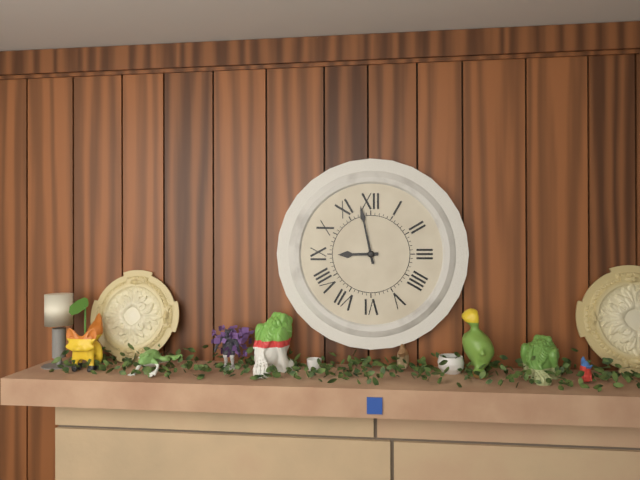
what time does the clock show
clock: 8:58
